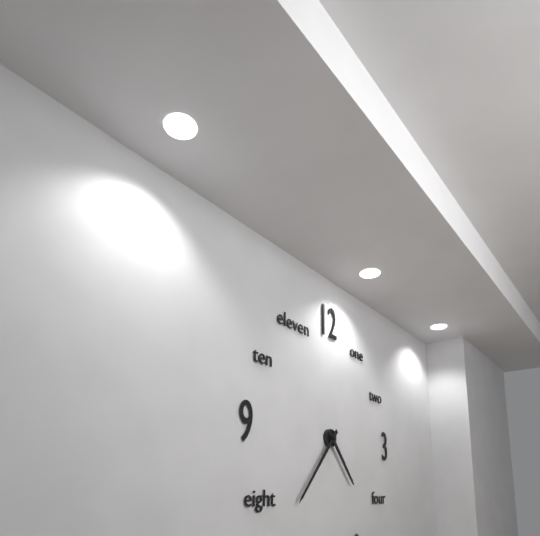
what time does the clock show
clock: 4:37
